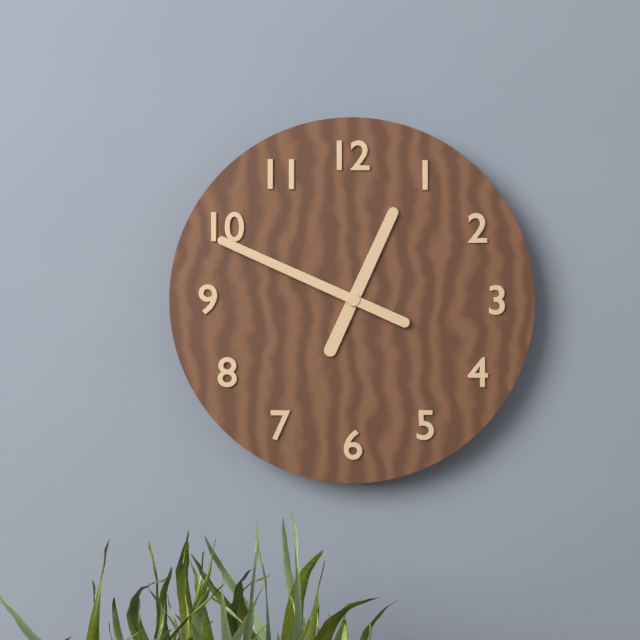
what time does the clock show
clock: 12:49
